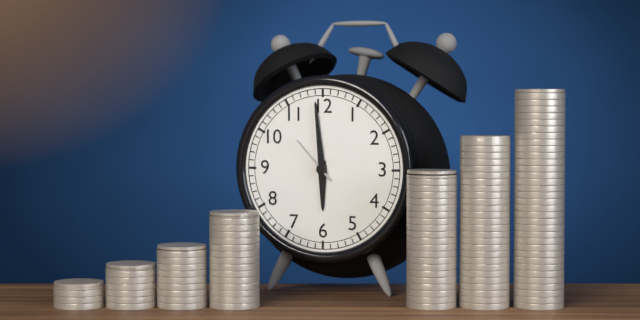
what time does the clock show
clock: 5:59
